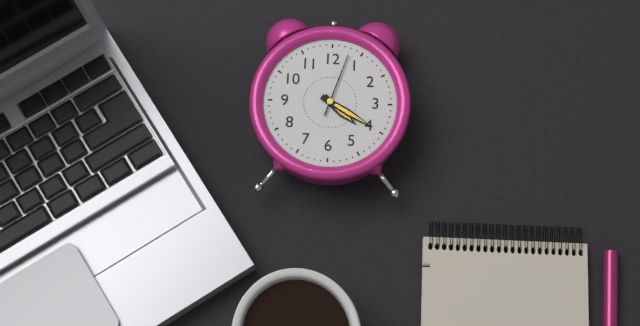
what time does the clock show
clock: 4:20:03
